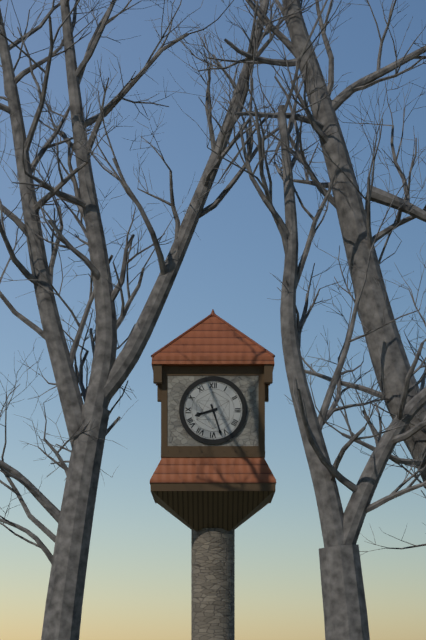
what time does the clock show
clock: 8:27
